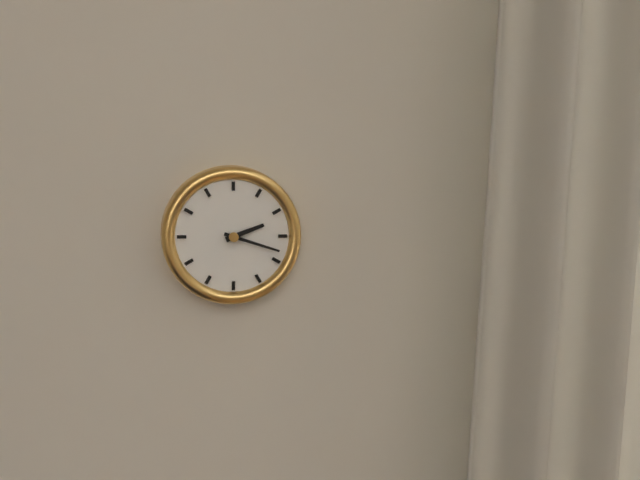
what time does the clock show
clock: 2:18
